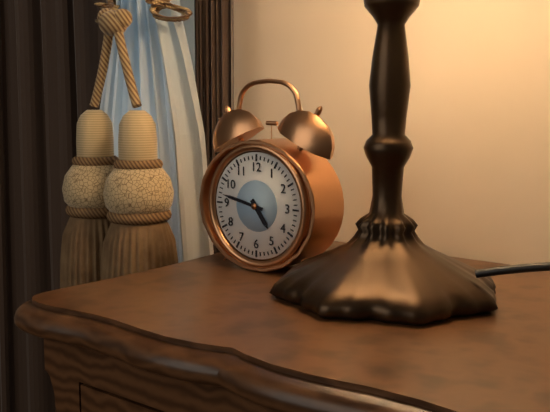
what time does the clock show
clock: 4:47
